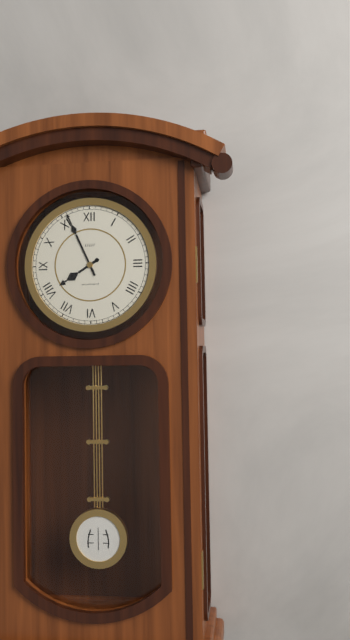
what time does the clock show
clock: 7:56
